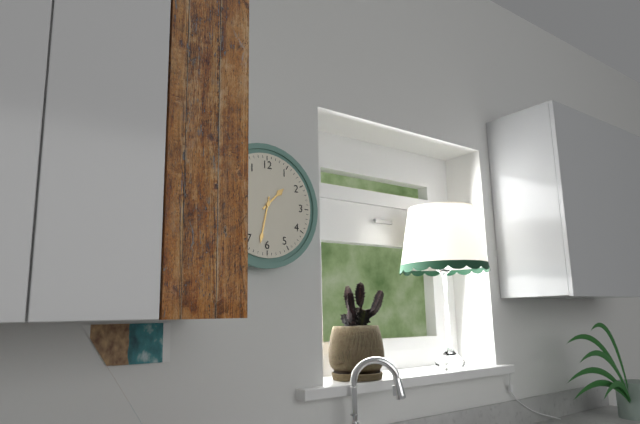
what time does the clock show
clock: 1:32
